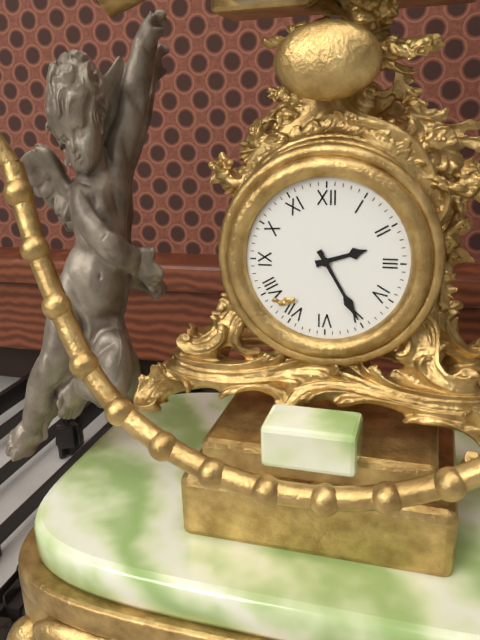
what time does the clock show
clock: 2:25
